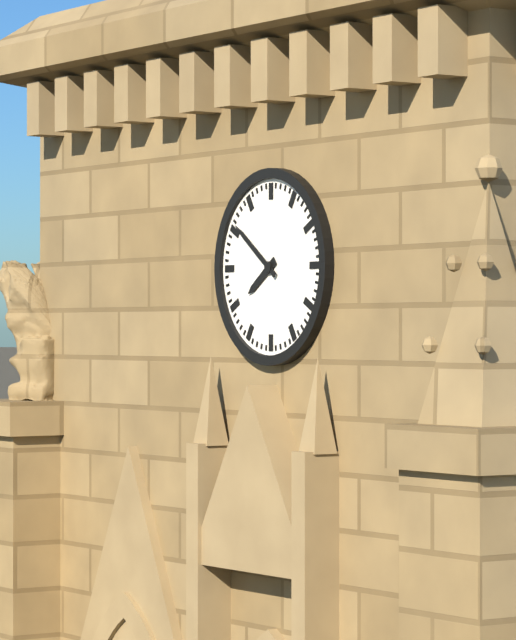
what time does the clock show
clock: 7:51
